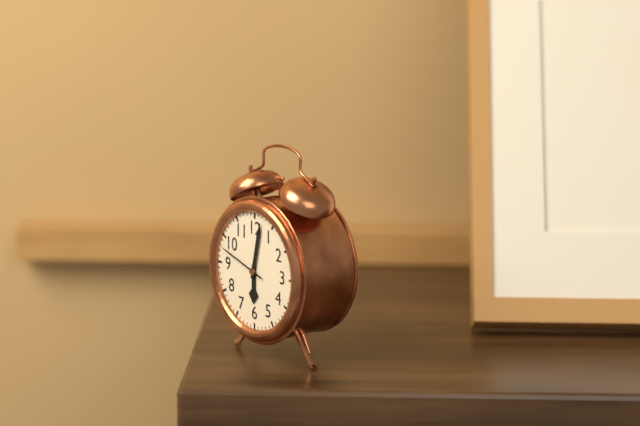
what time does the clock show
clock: 6:02:48
